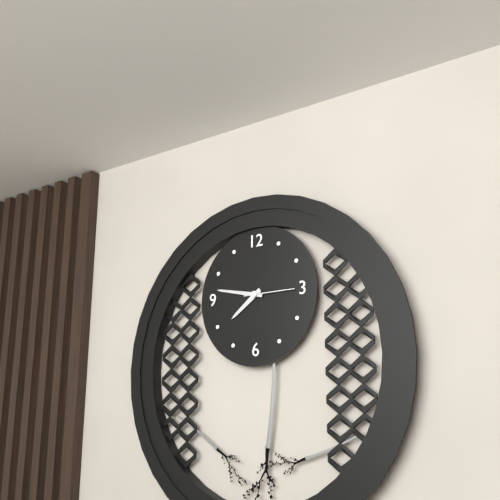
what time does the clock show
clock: 7:47
